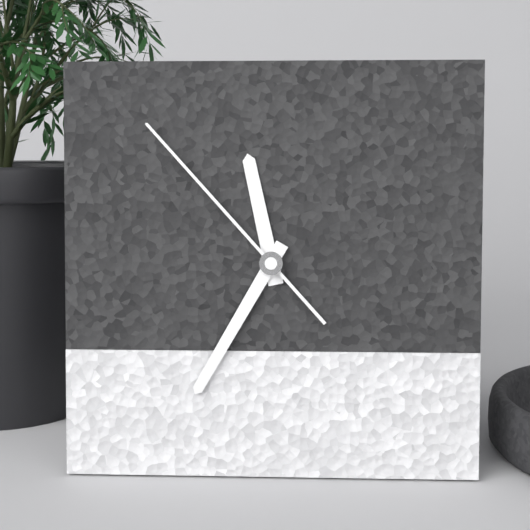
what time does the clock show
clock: 11:35:53
